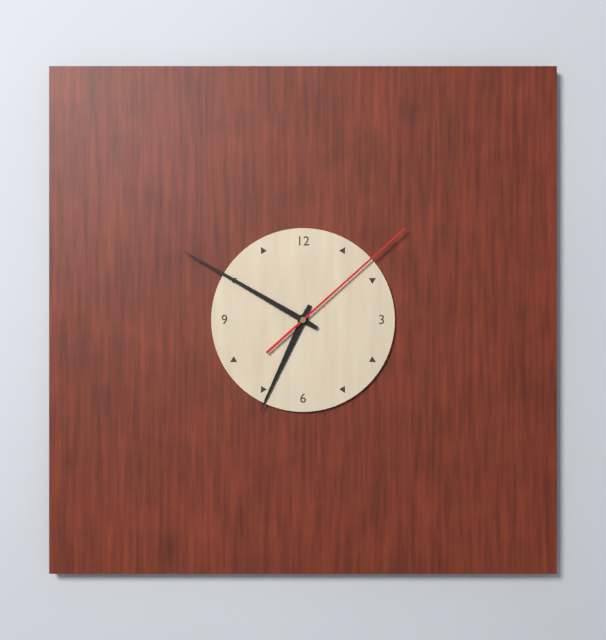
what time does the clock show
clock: 6:50:08
